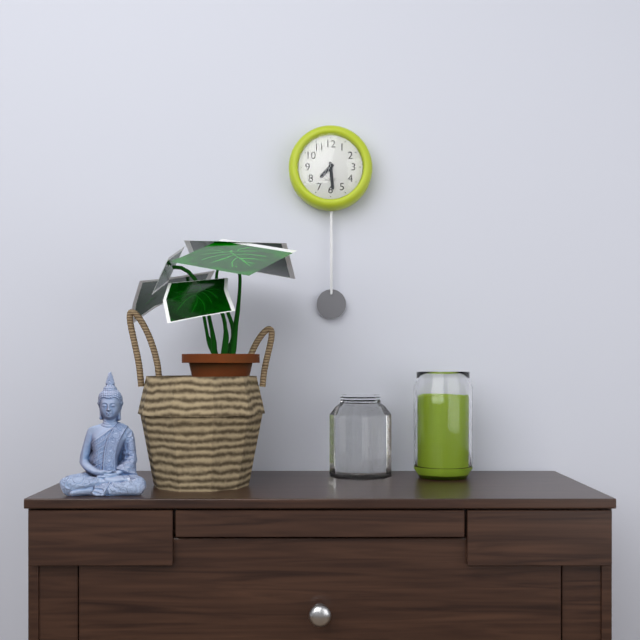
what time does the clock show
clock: 7:29
